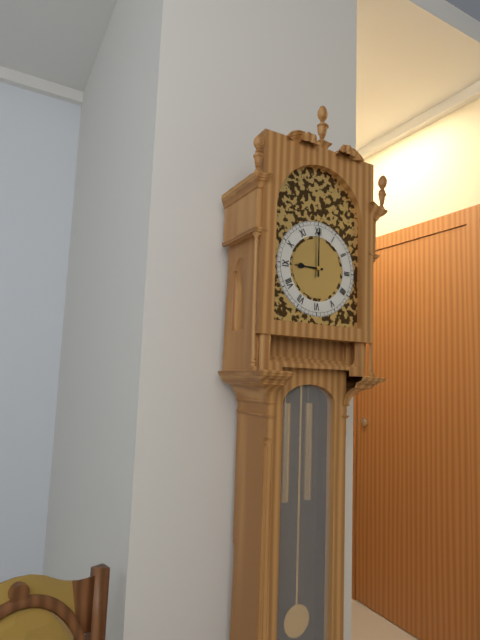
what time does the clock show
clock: 9:00
